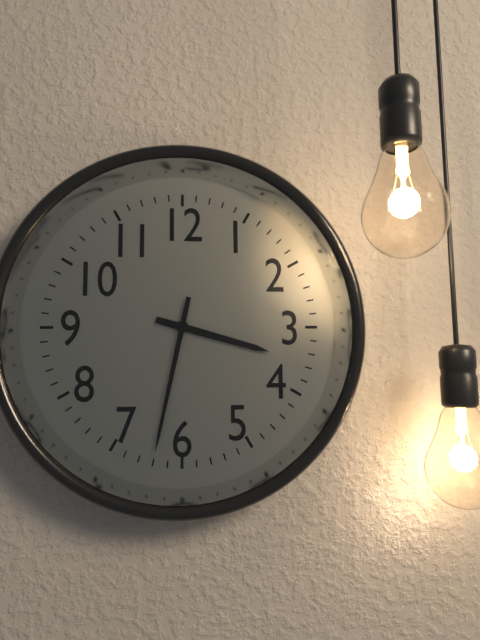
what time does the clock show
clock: 3:32
